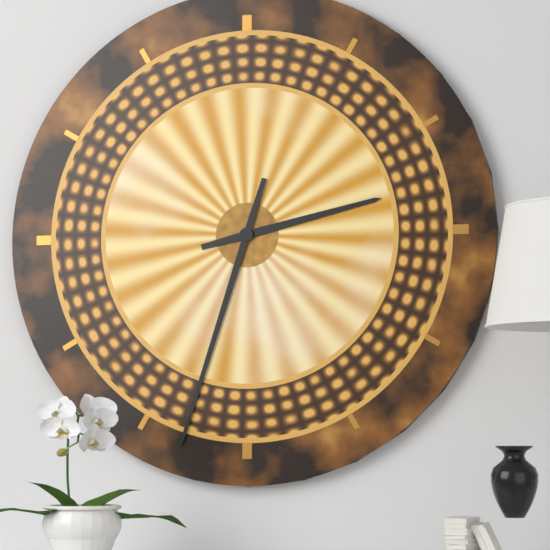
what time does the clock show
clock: 2:33
